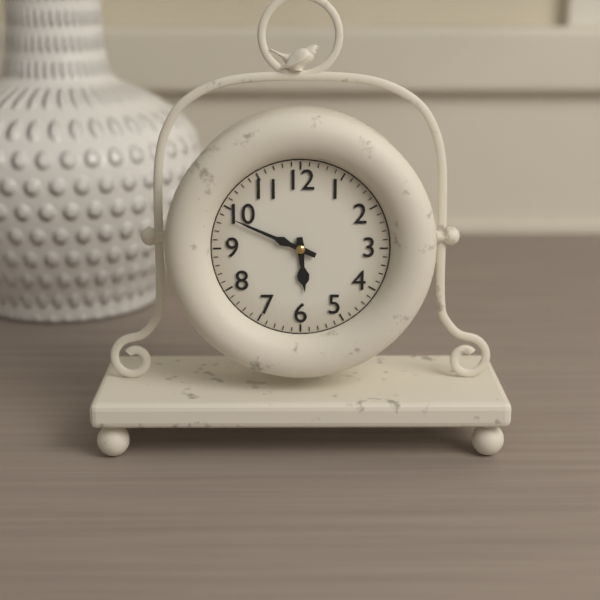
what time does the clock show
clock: 5:49
